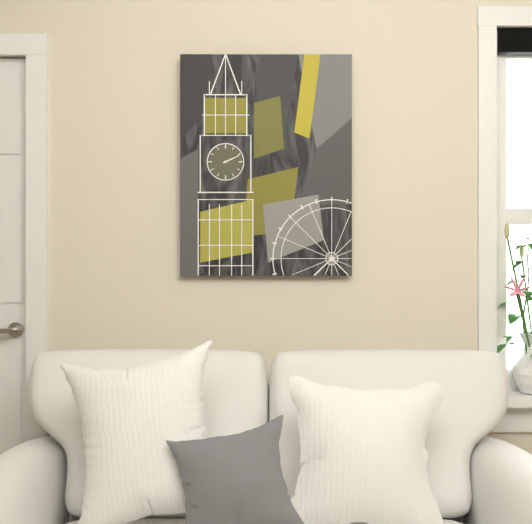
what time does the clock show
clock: 2:11
